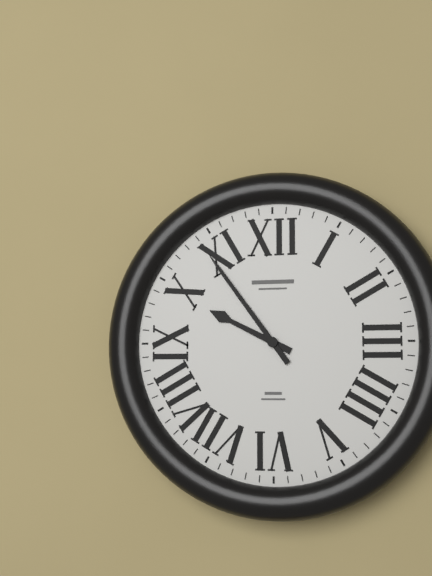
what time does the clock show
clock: 9:54
